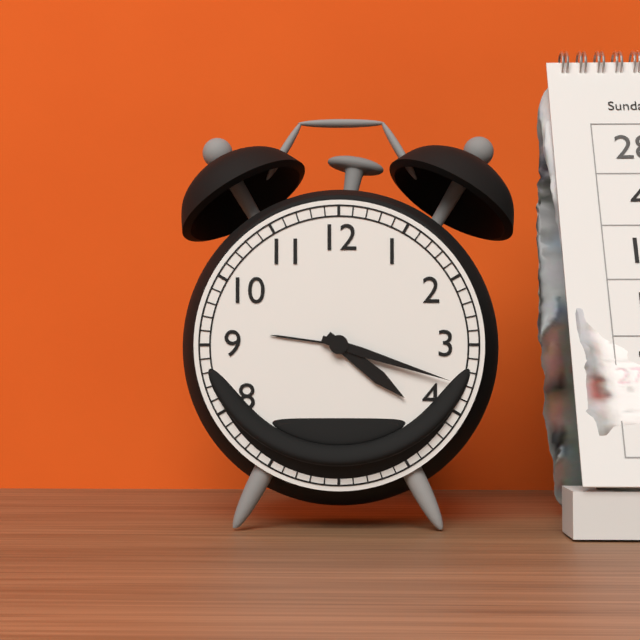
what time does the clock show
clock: 4:18
